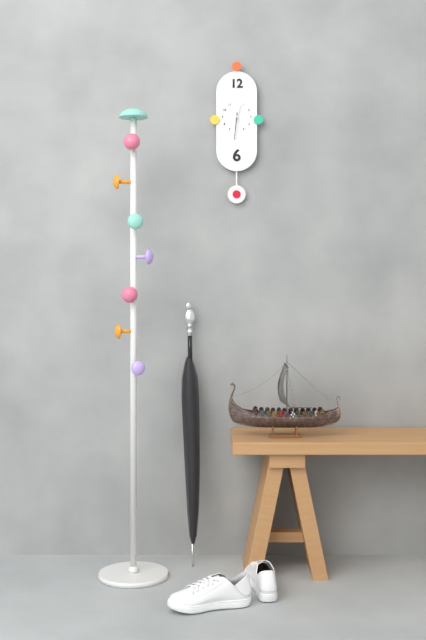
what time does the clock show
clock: 12:31
